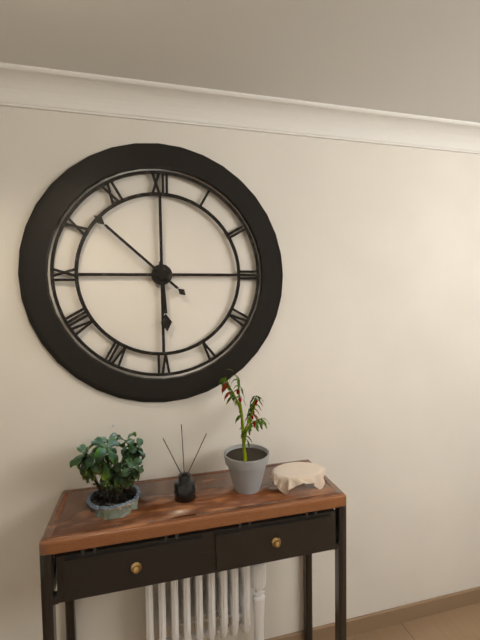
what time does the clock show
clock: 5:52
